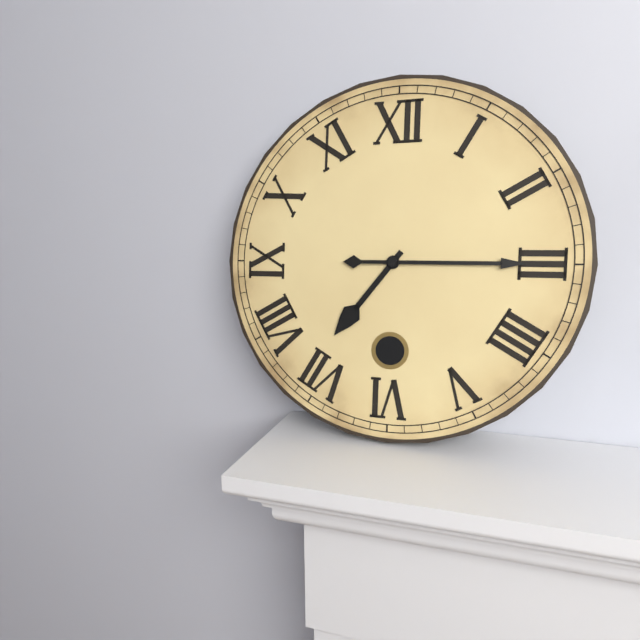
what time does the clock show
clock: 7:15
